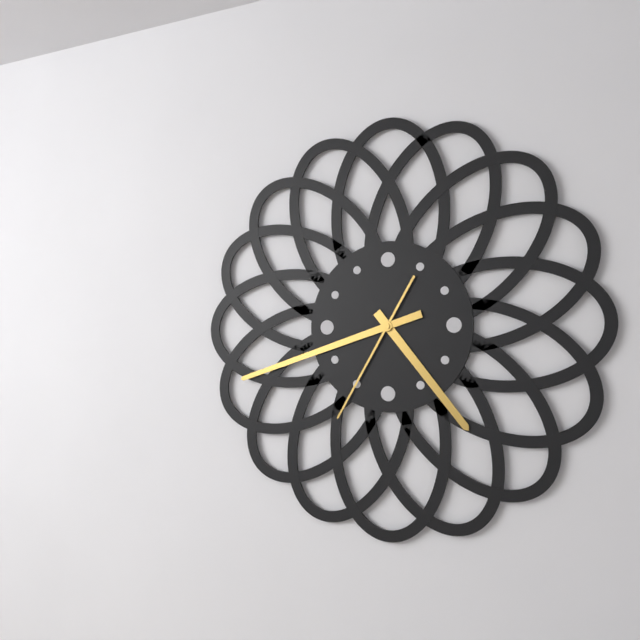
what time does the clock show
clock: 4:42:35
